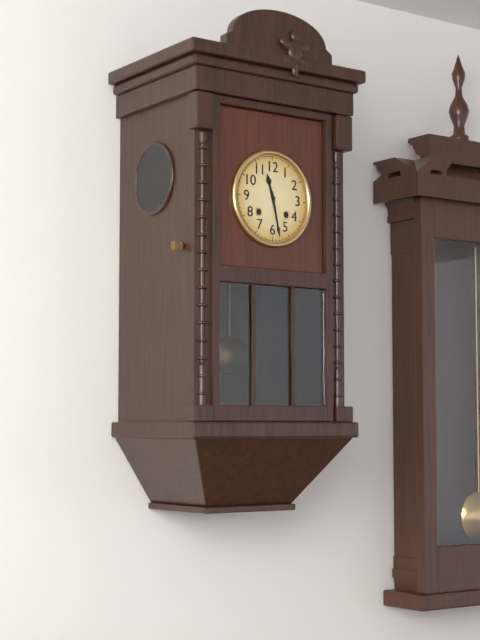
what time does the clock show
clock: 11:28
